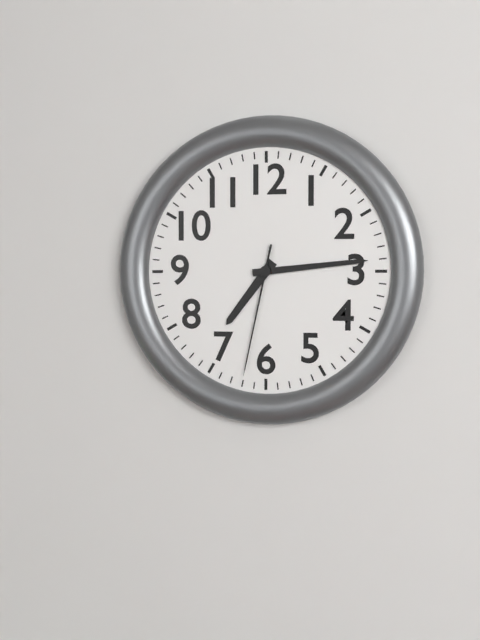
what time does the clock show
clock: 7:14:32
